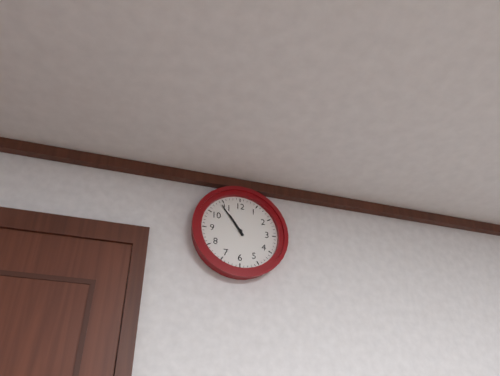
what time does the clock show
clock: 10:54
